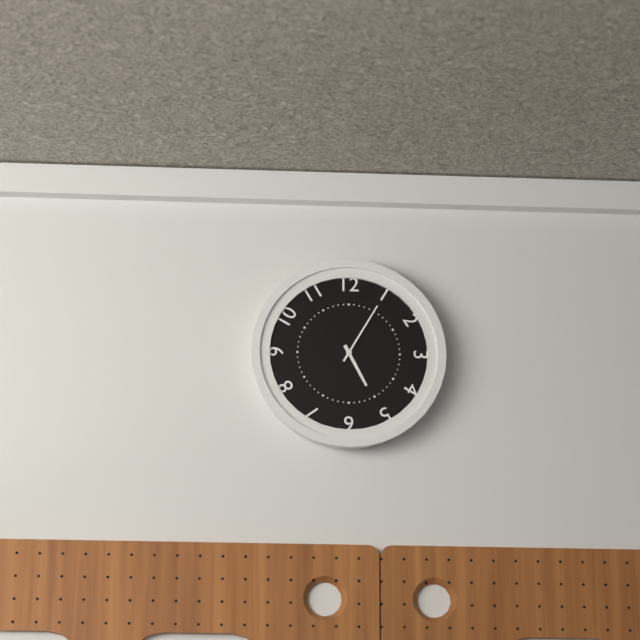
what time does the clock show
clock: 5:05
